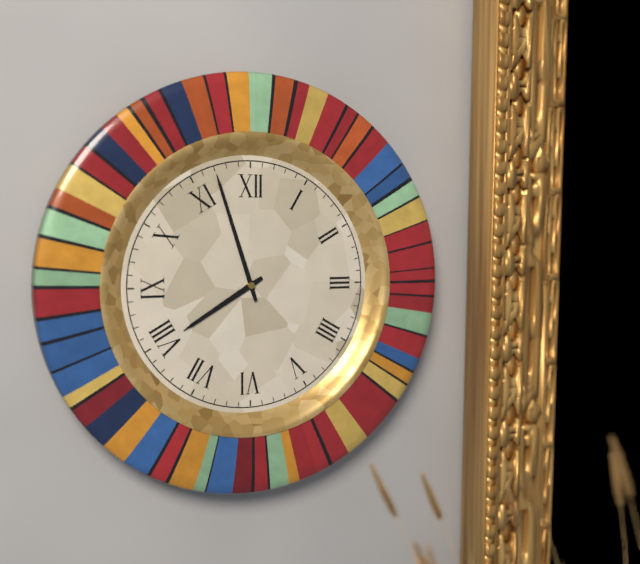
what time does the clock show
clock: 7:57
